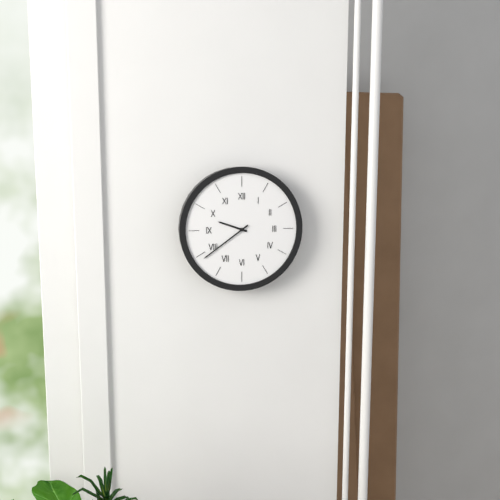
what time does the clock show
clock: 9:39
